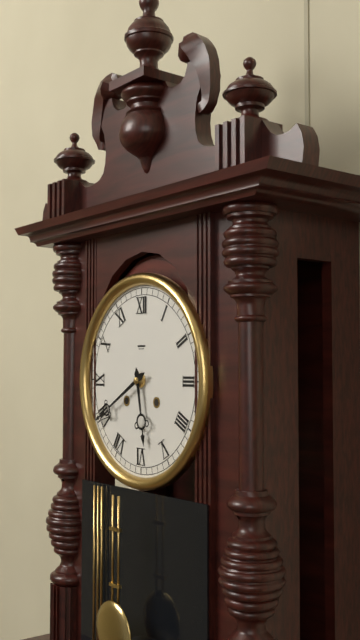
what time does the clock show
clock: 5:40
